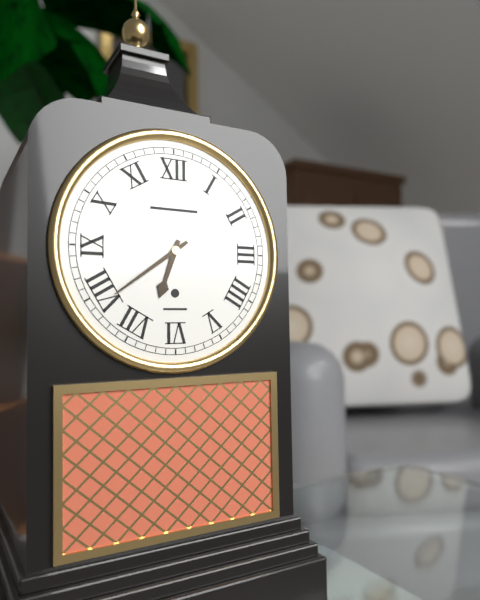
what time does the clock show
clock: 6:39
